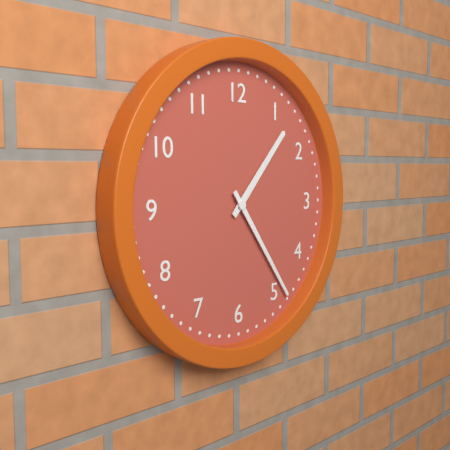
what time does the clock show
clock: 1:24
